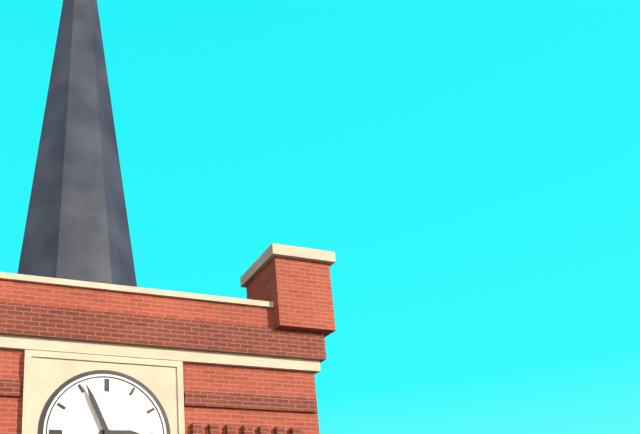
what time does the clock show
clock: 2:56
